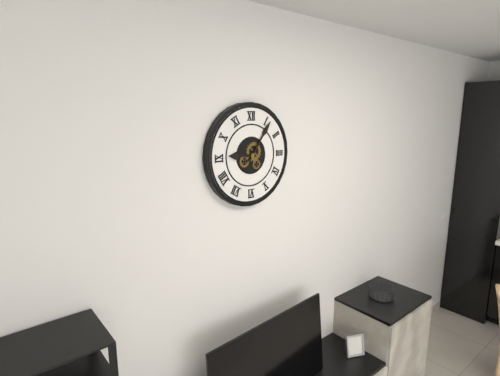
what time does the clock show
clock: 9:06
